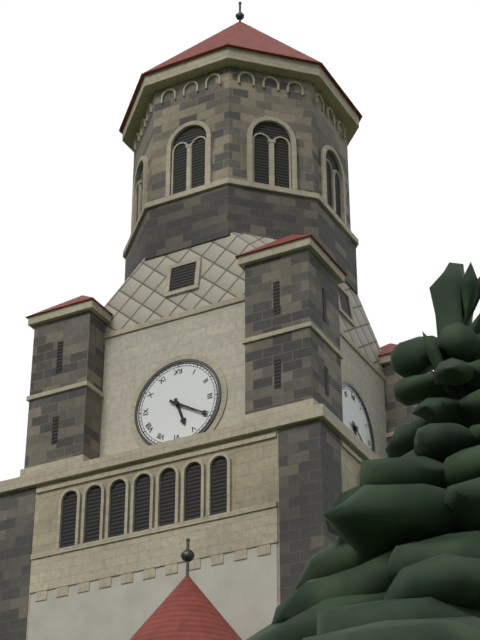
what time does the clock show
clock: 5:20
